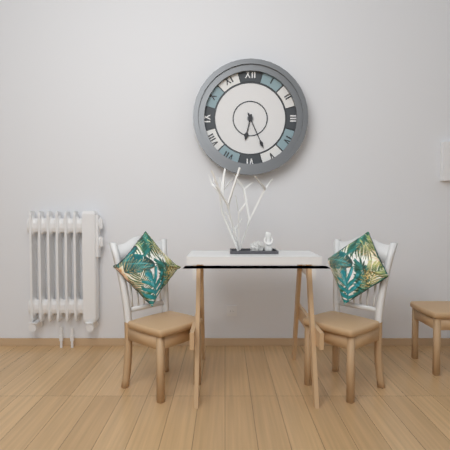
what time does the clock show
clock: 6:26
